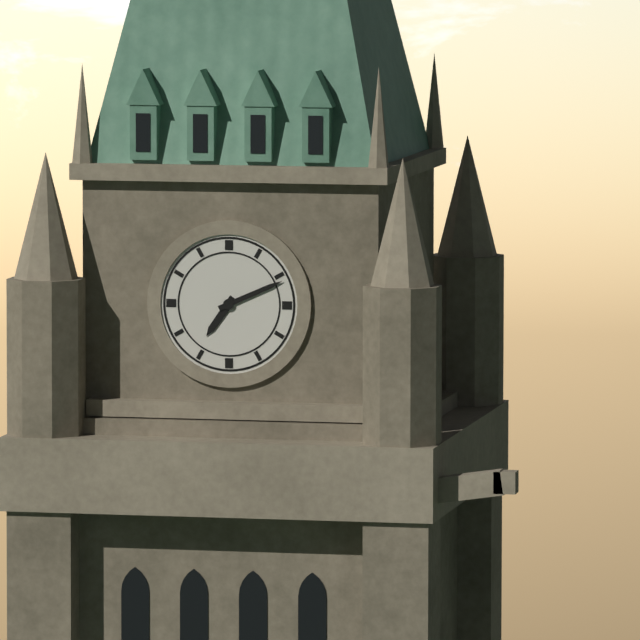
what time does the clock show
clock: 7:11
